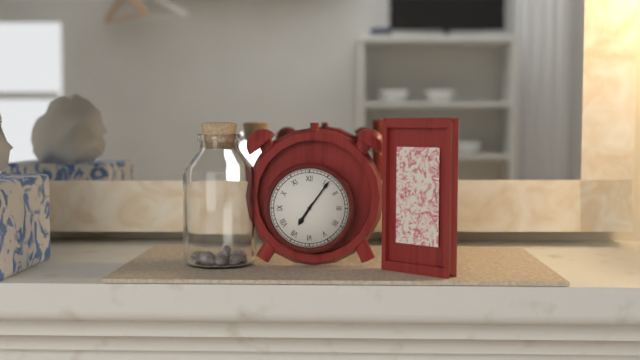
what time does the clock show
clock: 7:06
